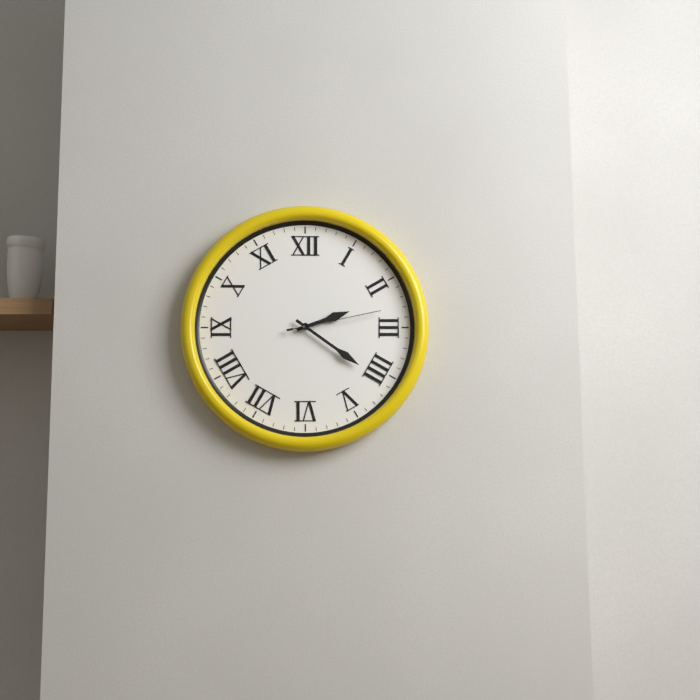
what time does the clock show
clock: 2:21:13
